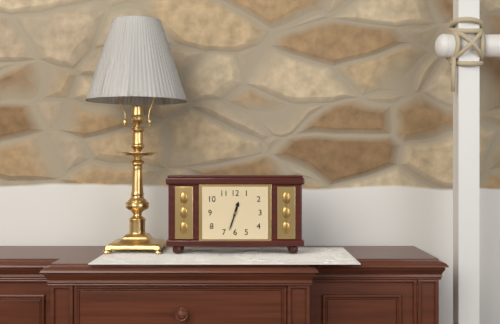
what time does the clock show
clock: 12:33
